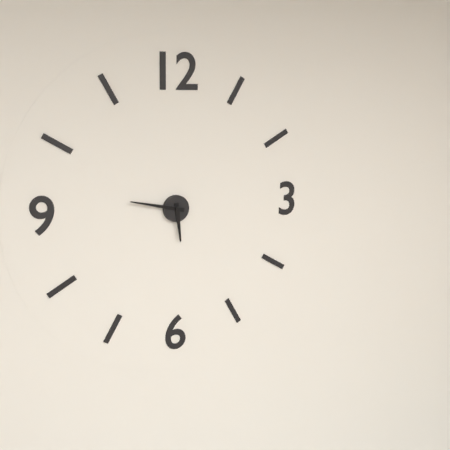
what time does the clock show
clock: 5:47
